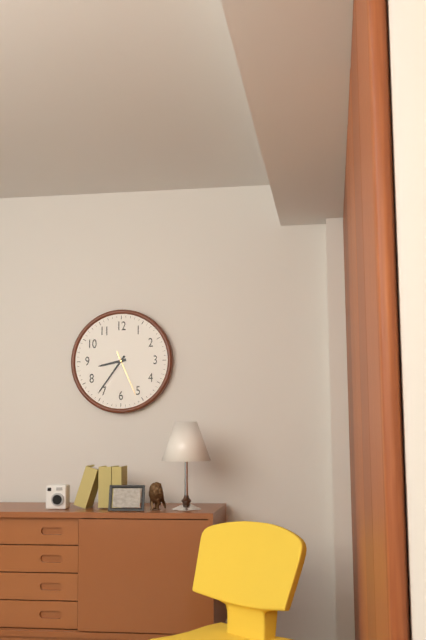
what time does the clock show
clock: 8:36
